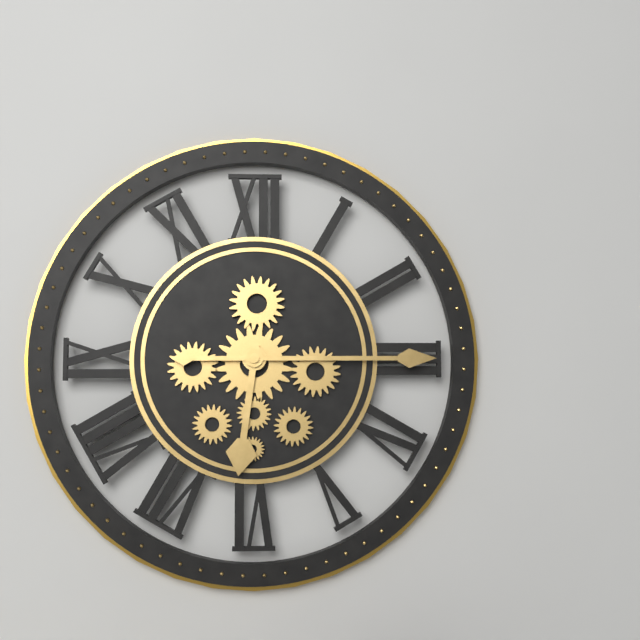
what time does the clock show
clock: 6:15
